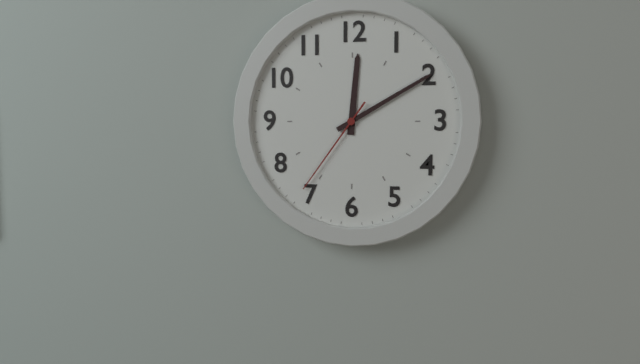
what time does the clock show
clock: 12:10:36
